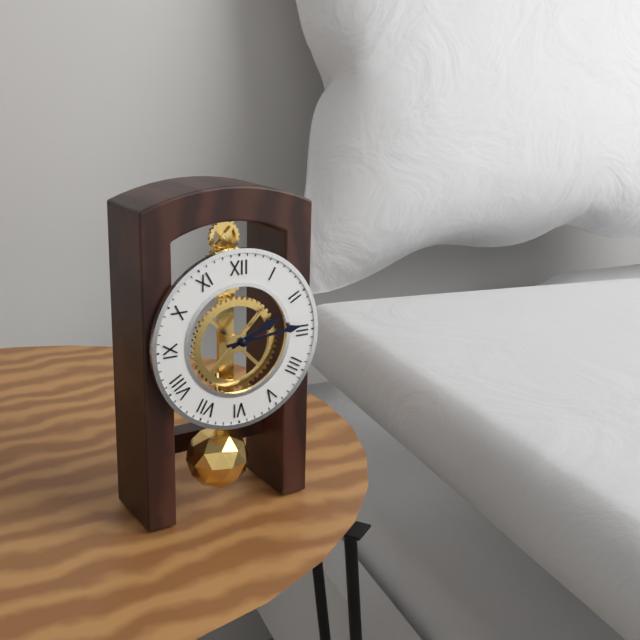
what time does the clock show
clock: 2:14
